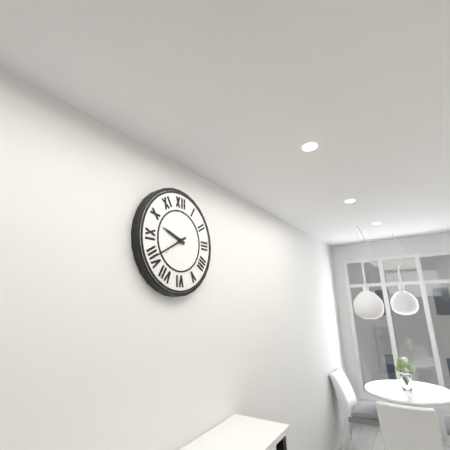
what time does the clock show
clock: 9:40
